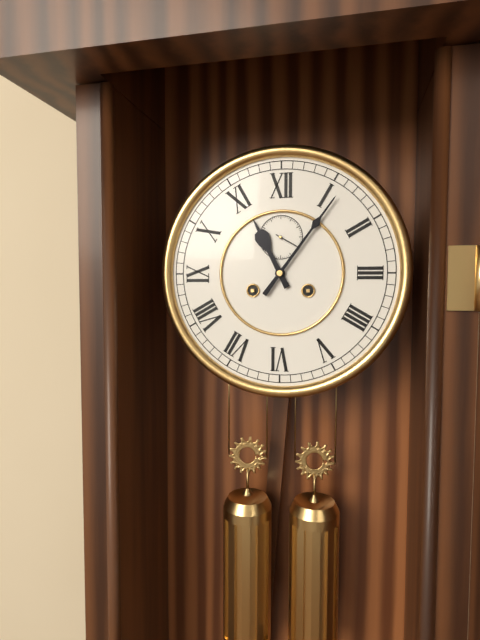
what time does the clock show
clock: 11:06
